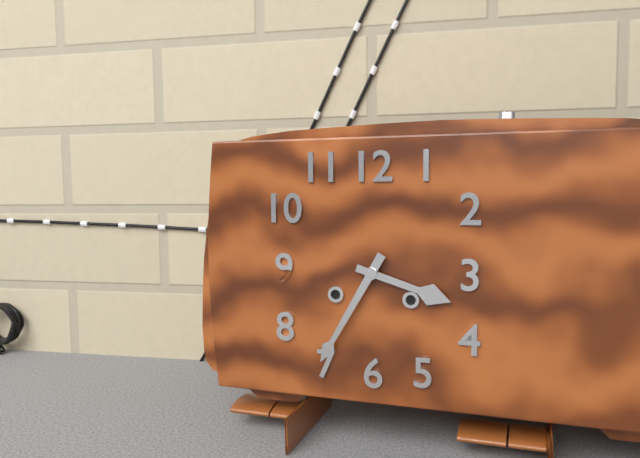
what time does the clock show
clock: 3:35
